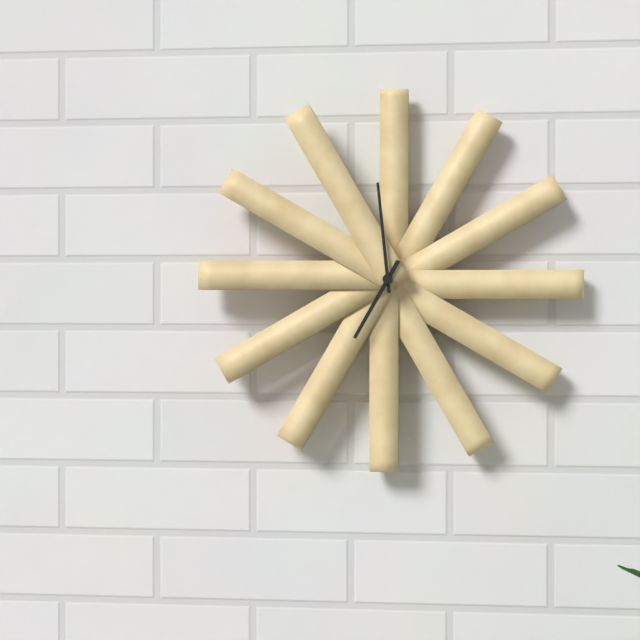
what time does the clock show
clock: 6:59
